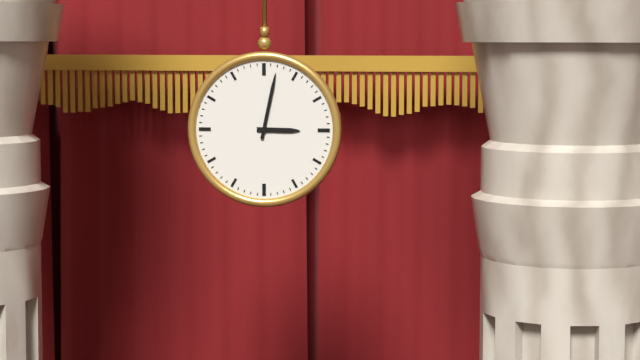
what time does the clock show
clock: 3:02
